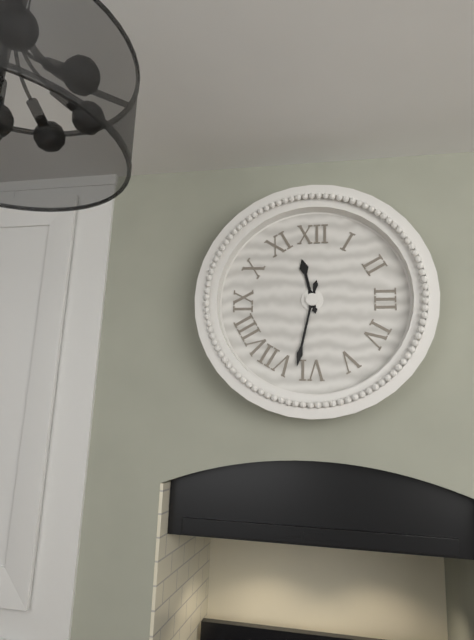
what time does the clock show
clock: 11:32
